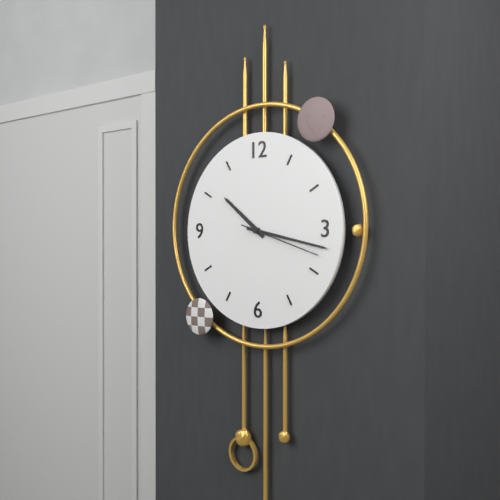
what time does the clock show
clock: 10:17:18
